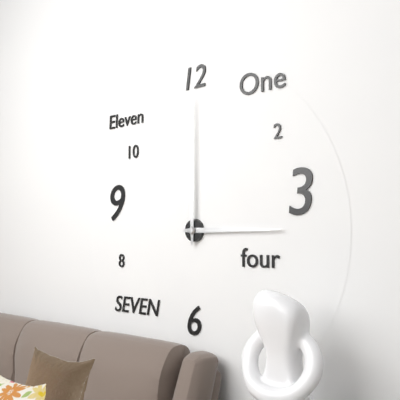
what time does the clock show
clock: 3:00
